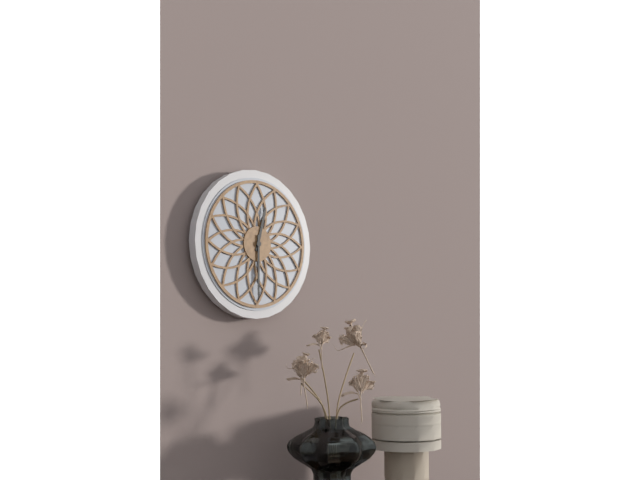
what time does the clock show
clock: 12:30
